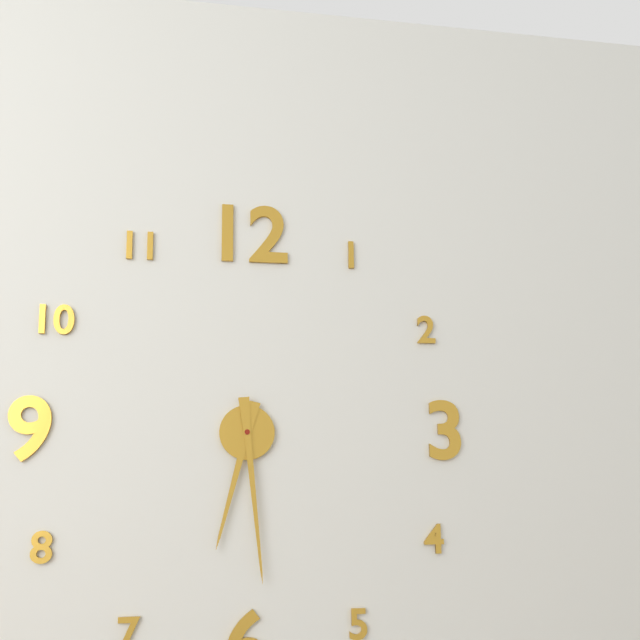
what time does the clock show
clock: 6:29
